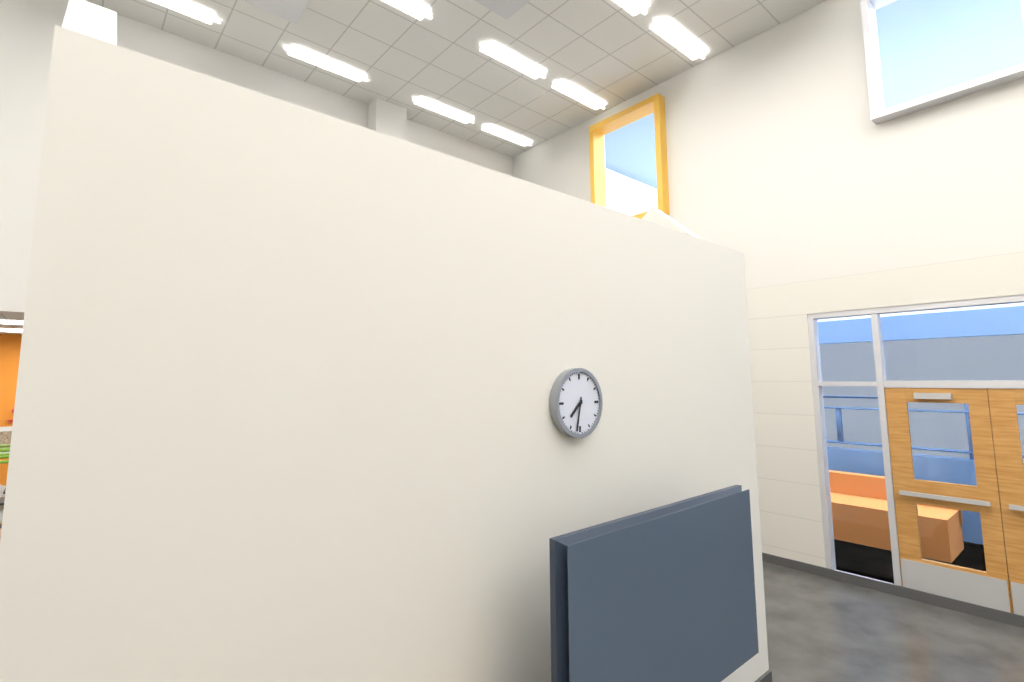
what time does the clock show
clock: 7:32
